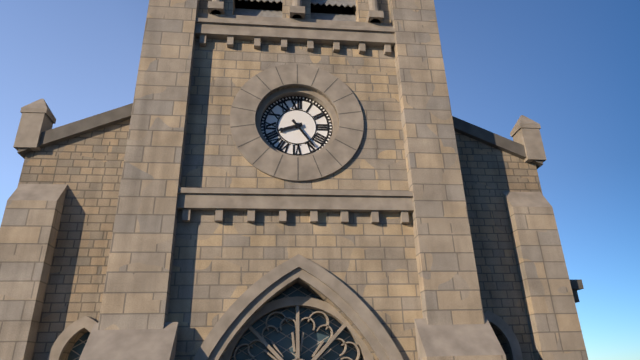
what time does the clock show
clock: 8:24
